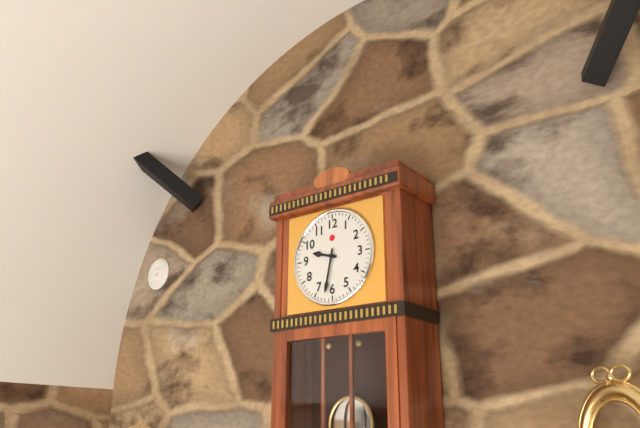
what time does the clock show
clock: 9:32
